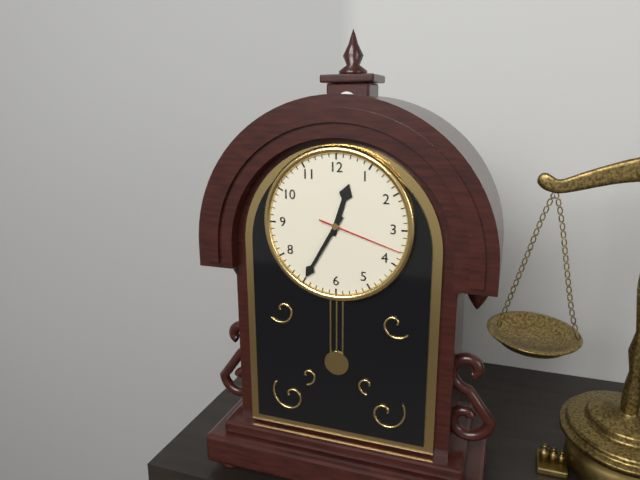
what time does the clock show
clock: 12:35:18
